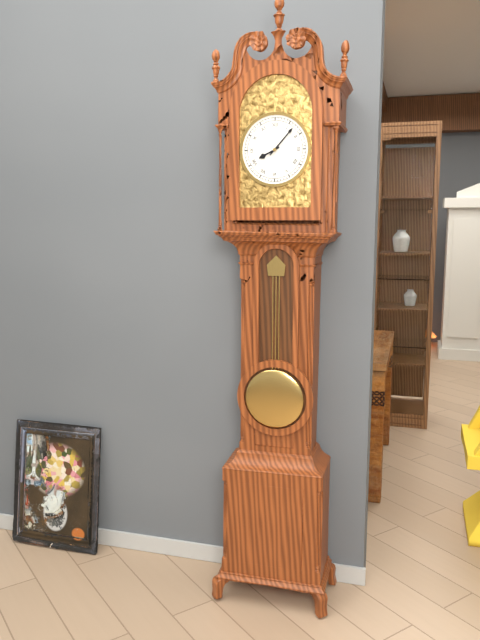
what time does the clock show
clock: 8:07
